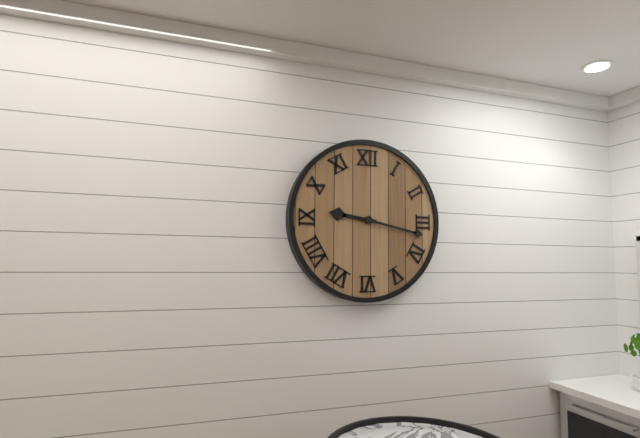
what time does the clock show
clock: 9:17
